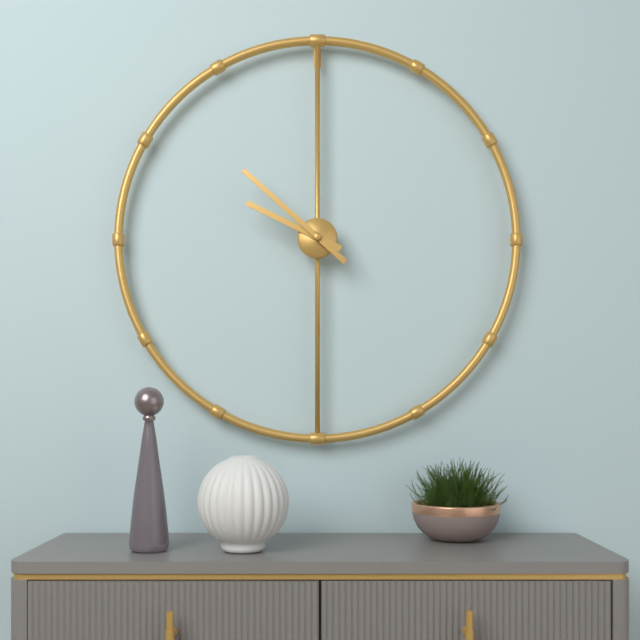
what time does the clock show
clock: 9:52
